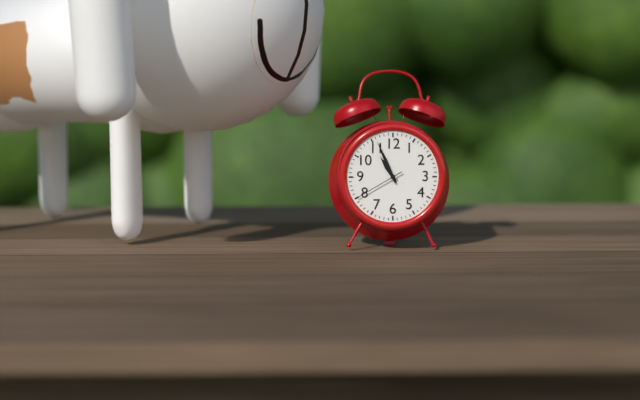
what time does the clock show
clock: 10:56:40
